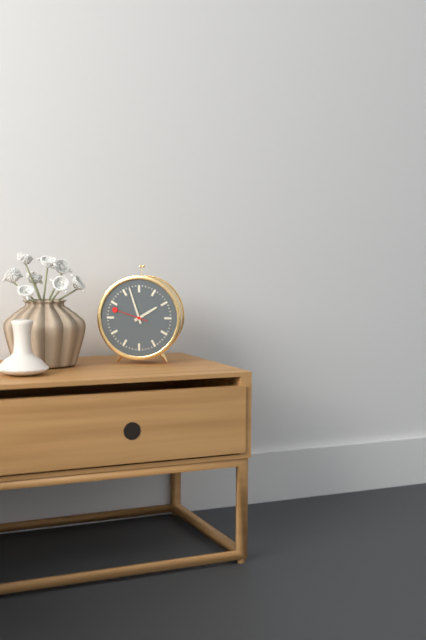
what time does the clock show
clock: 1:57
